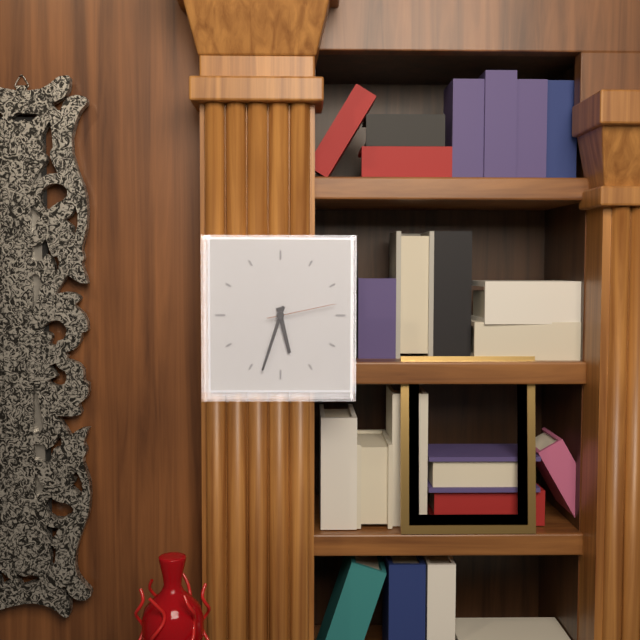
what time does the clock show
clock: 5:33:13
